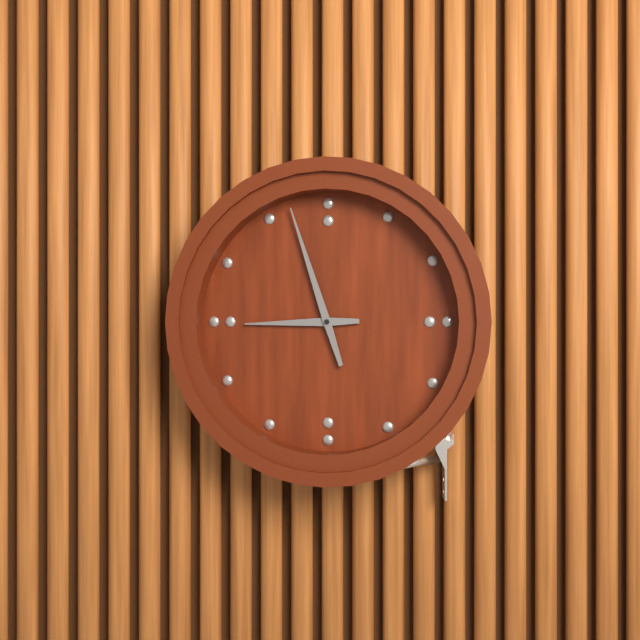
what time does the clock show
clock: 8:57
